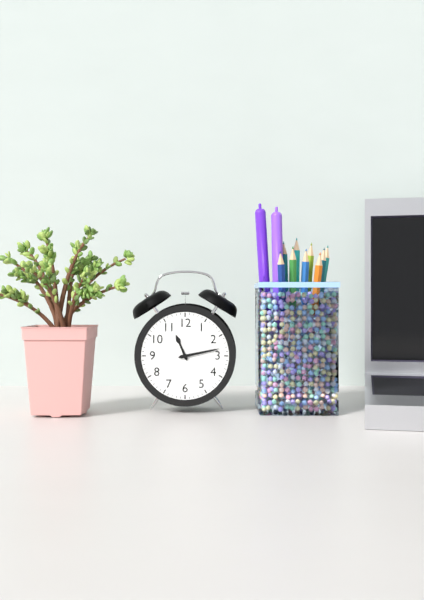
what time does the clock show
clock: 11:13
